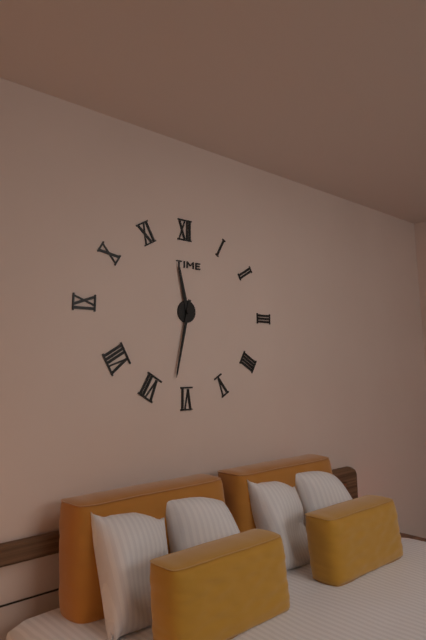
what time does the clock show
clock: 11:32
